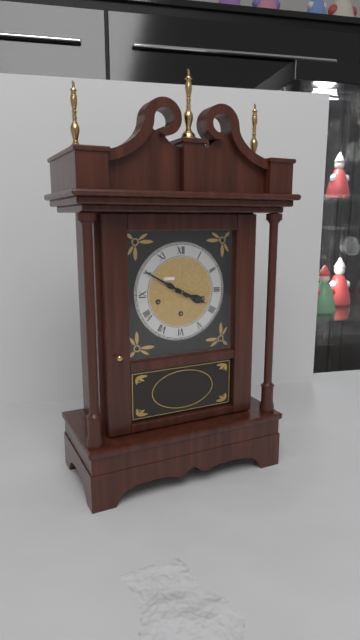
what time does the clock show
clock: 3:50
